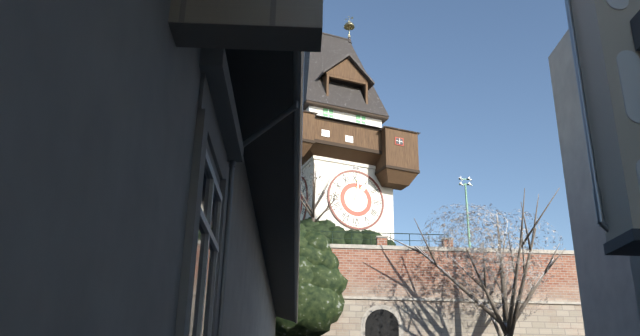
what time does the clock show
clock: 1:01
